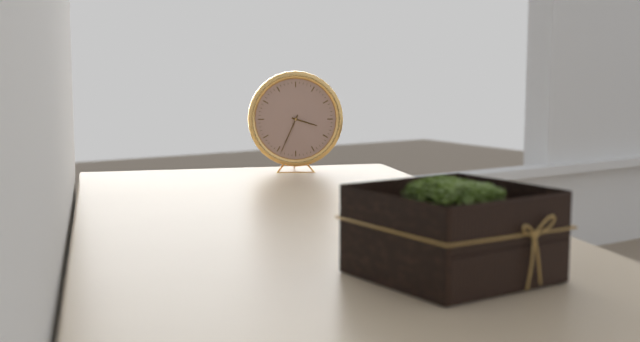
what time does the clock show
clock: 3:34
